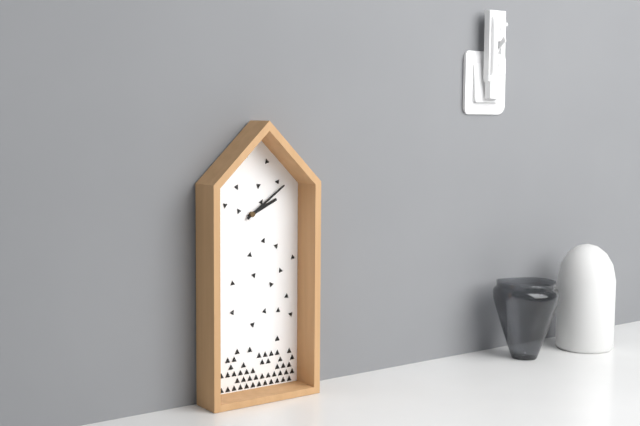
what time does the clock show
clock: 2:09
